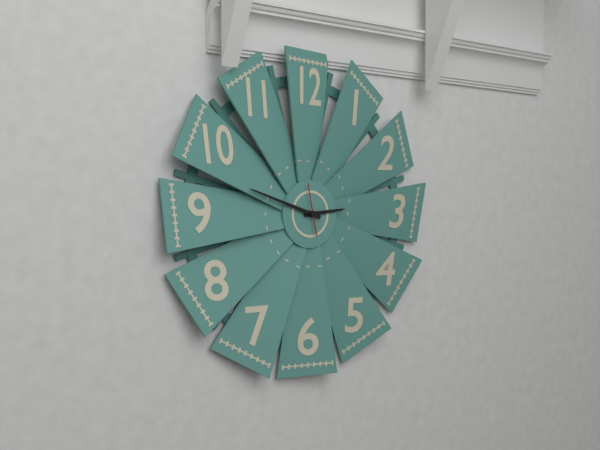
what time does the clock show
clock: 2:48
